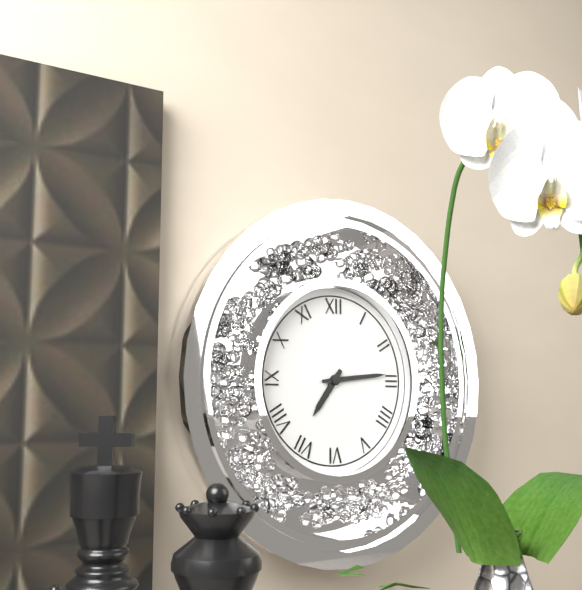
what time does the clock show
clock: 7:14
